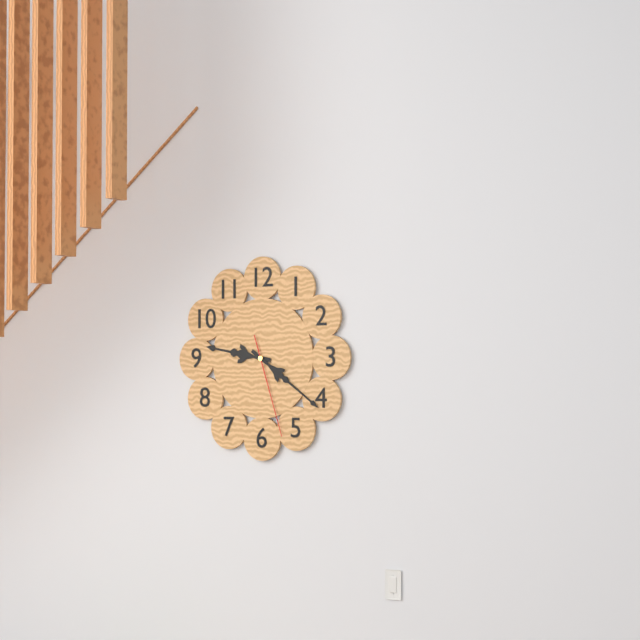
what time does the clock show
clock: 9:21:27
